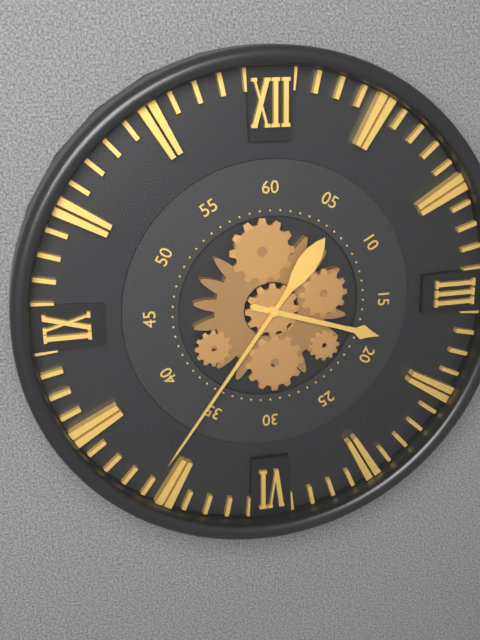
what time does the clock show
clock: 3:36
